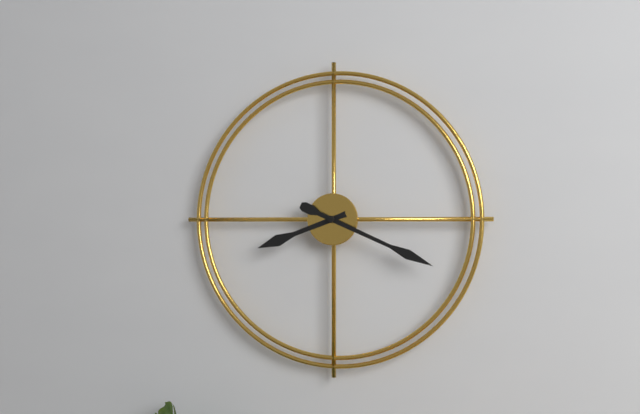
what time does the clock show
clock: 8:19
